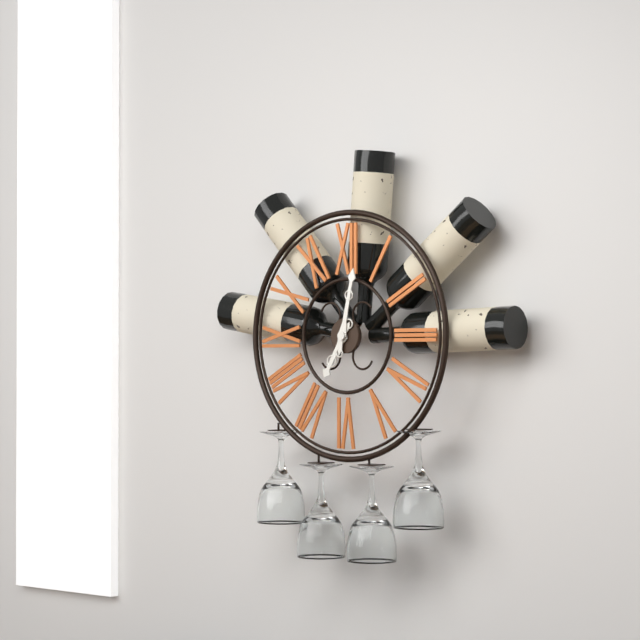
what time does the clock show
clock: 7:02
